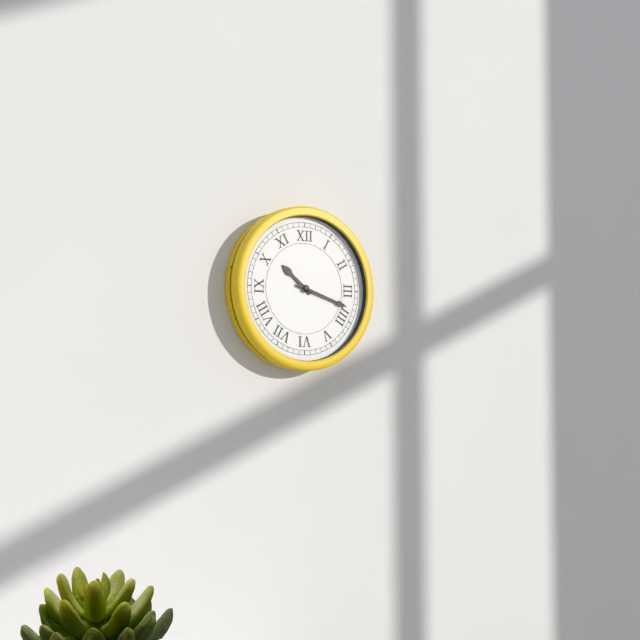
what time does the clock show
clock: 10:18
